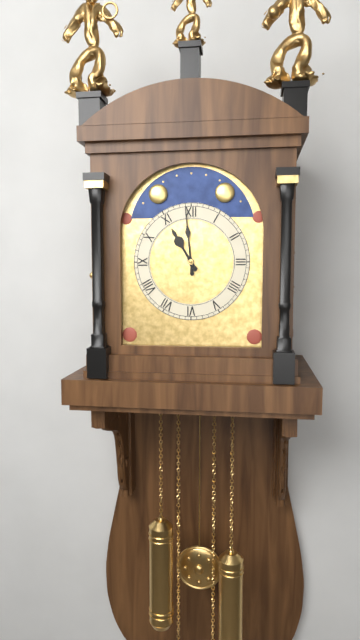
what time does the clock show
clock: 10:59
